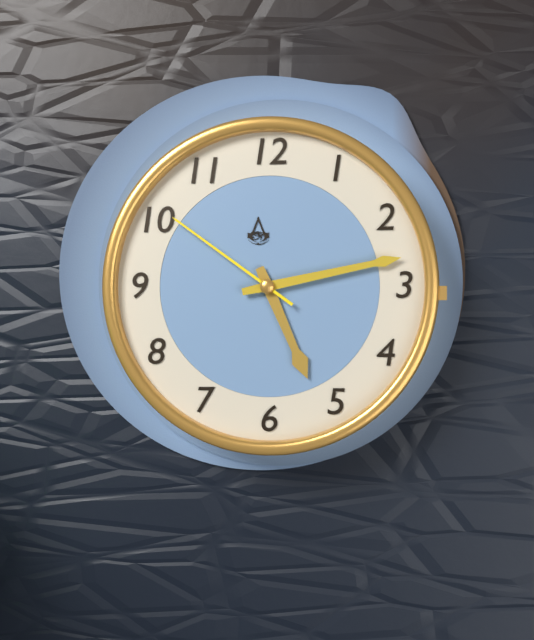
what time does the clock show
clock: 5:13:51
